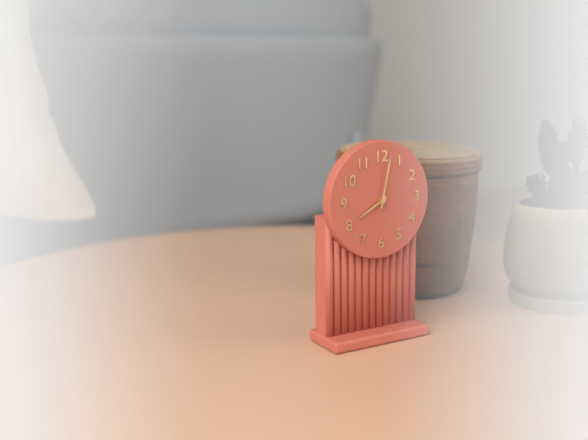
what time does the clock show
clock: 8:02
